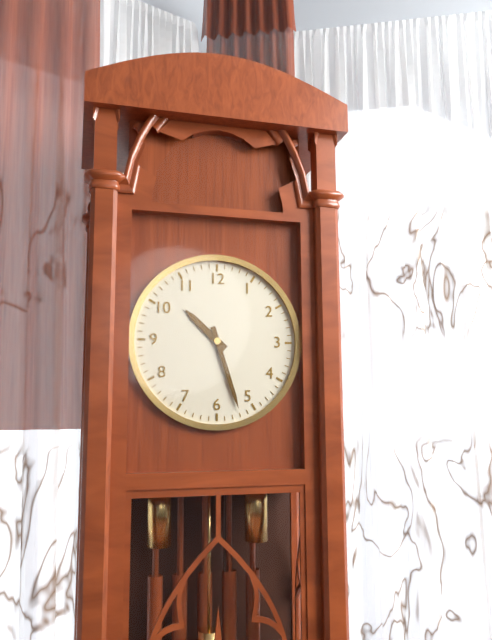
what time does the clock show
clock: 10:27
